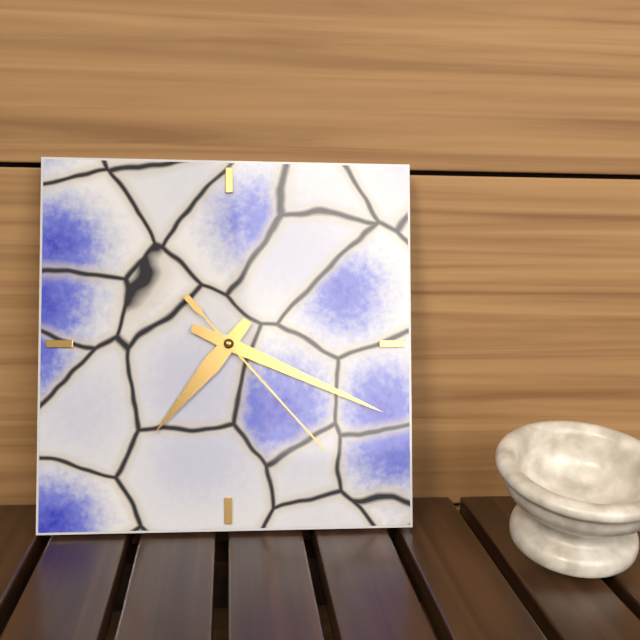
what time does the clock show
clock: 7:19:23
